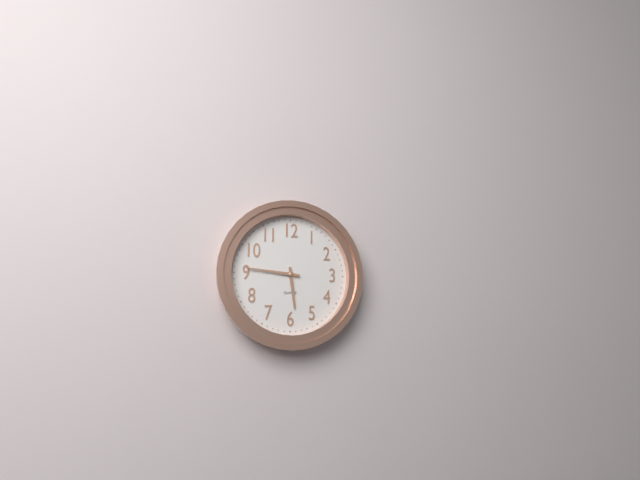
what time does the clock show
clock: 5:46
